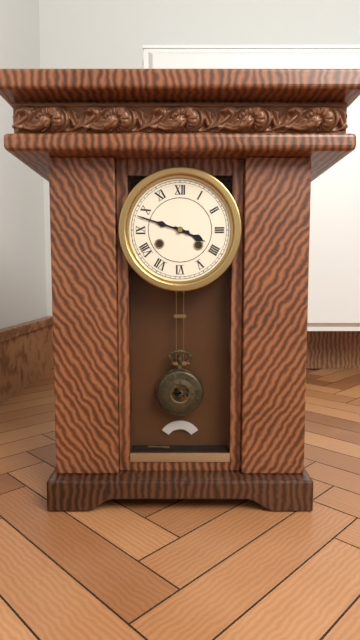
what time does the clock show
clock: 3:48
